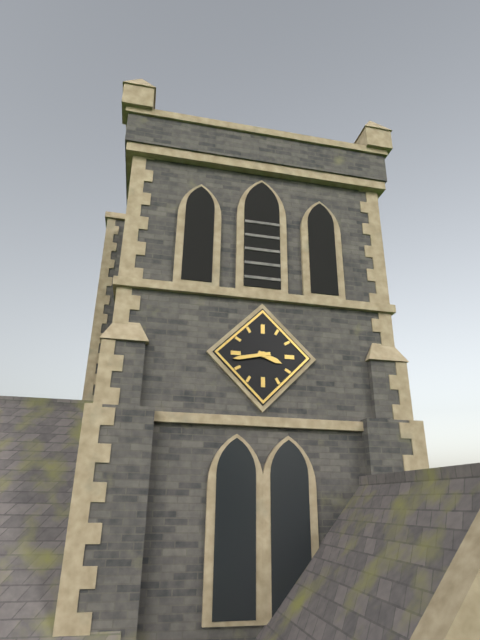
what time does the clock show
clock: 3:43
